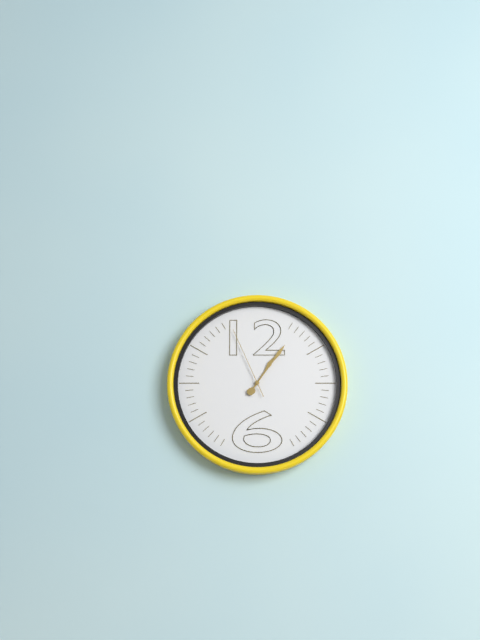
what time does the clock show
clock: 1:06:56
